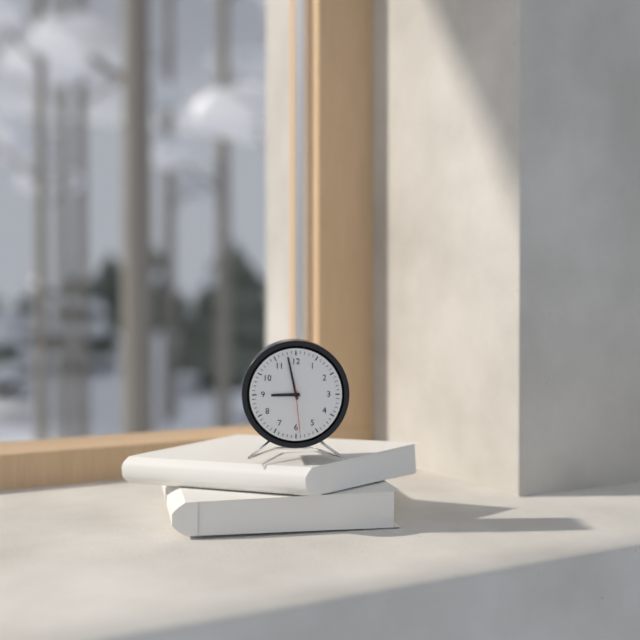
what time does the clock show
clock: 8:58:29
